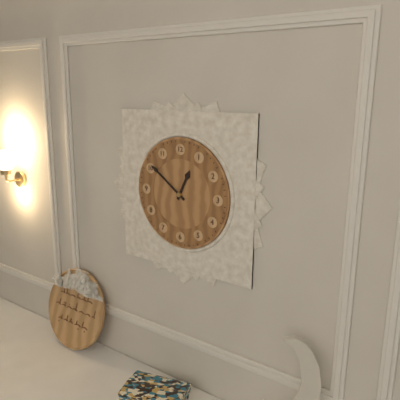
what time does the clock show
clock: 12:51
